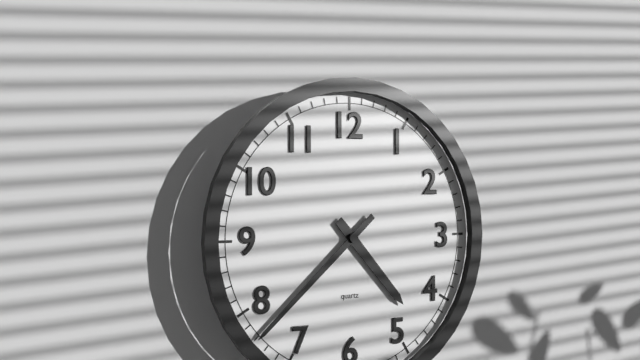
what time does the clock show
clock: 4:38
